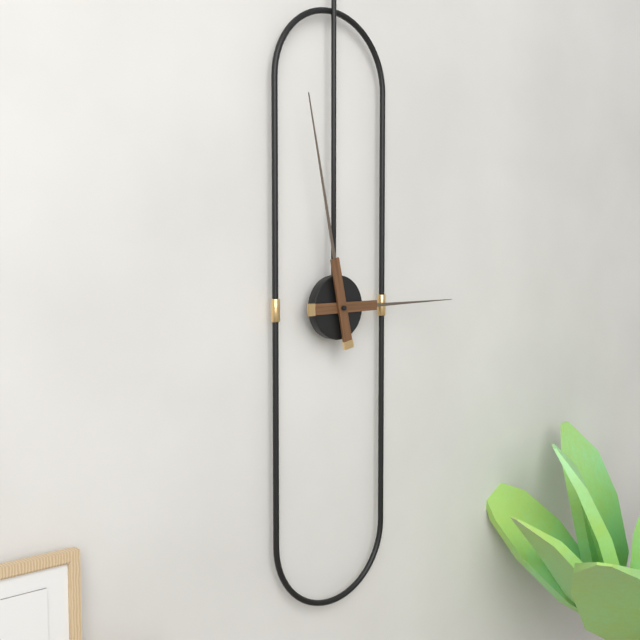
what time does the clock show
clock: 2:58
